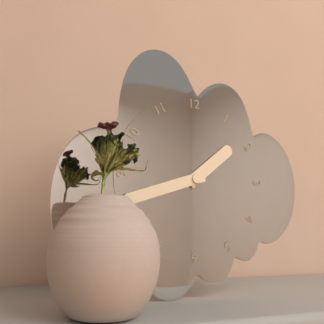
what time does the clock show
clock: 1:42
